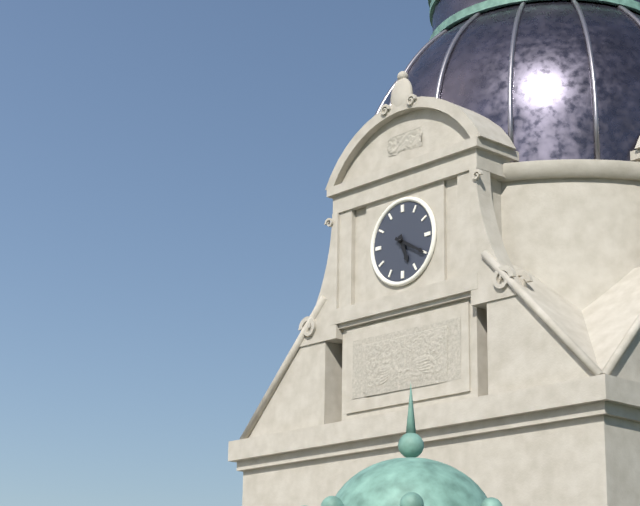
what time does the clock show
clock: 5:20
